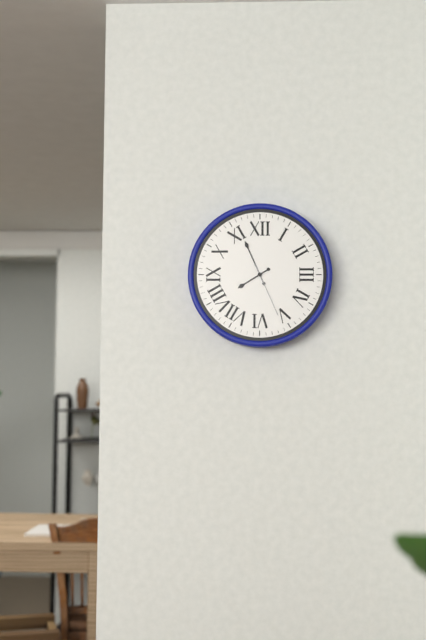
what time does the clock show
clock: 7:56:26
